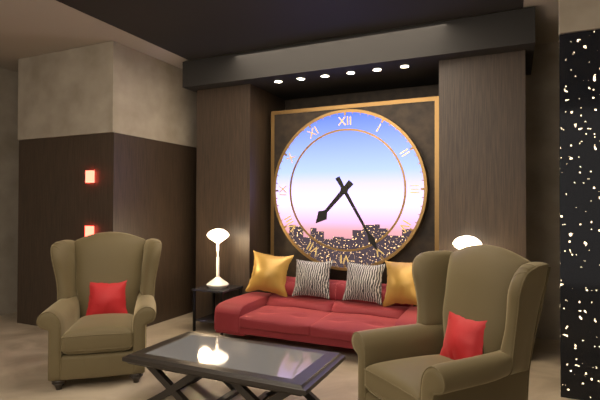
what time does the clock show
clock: 7:25
